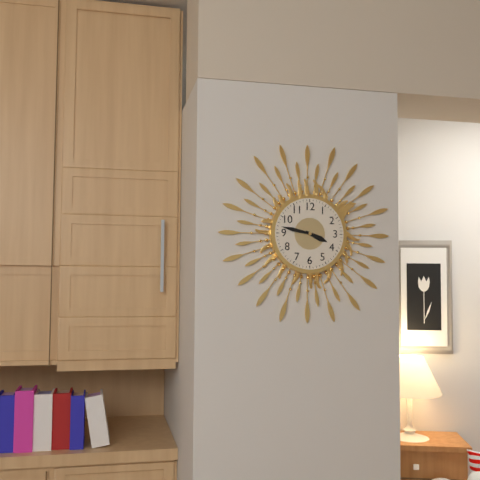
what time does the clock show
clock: 3:47
